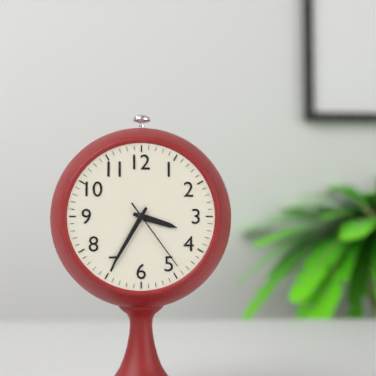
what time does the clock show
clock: 3:35:24
